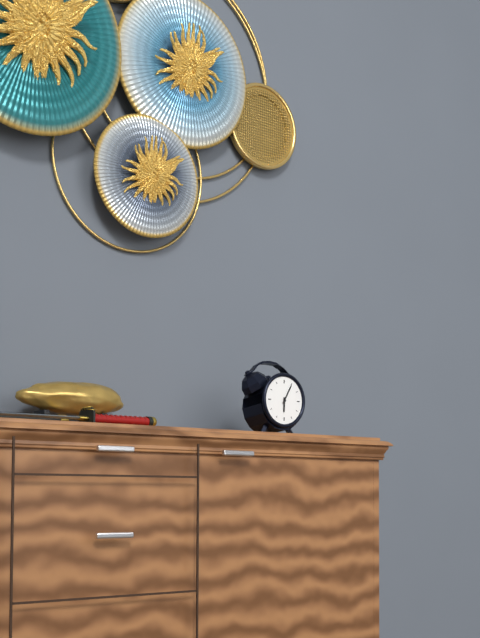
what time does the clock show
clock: 6:05
